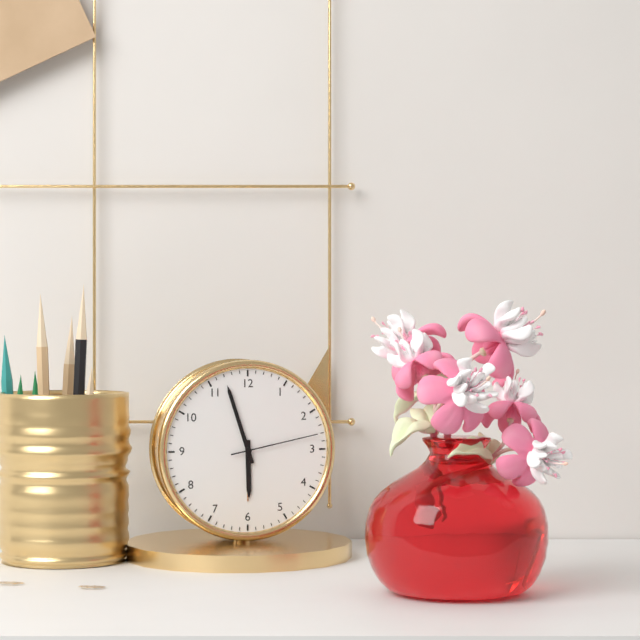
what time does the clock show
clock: 5:57:13
